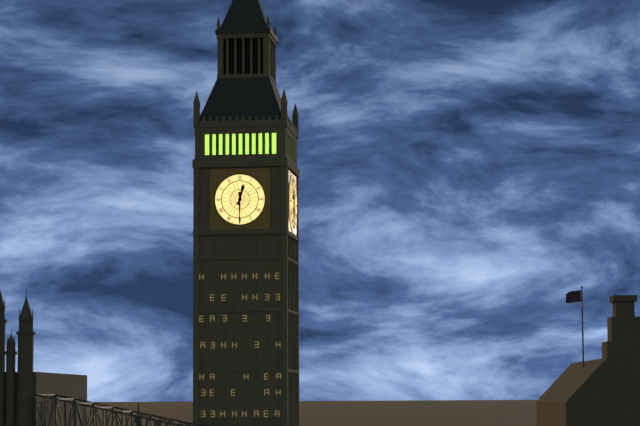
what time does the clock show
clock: 12:30
